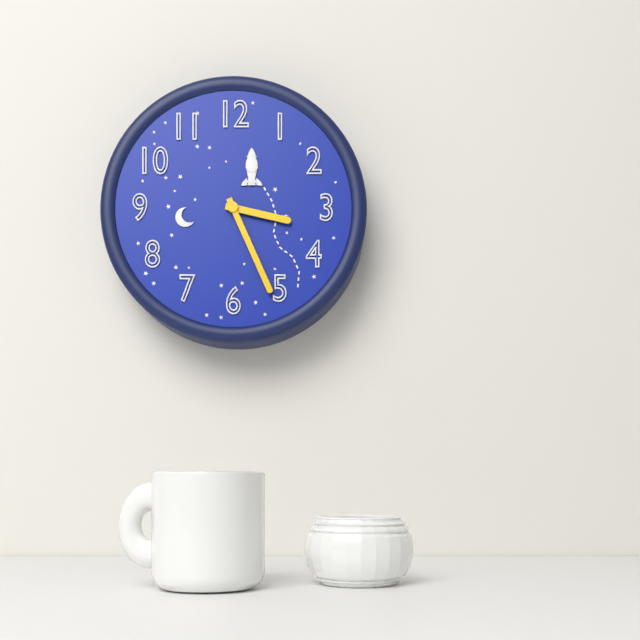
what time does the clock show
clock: 3:26
